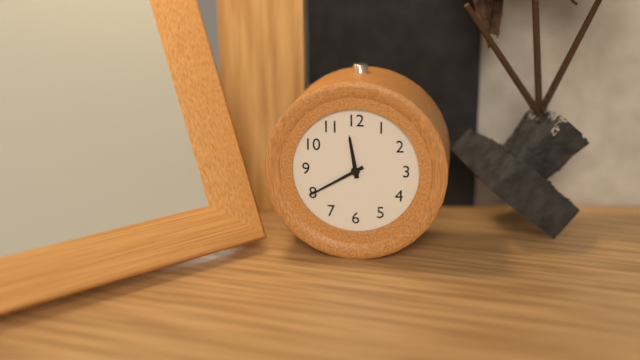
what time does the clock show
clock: 11:40
